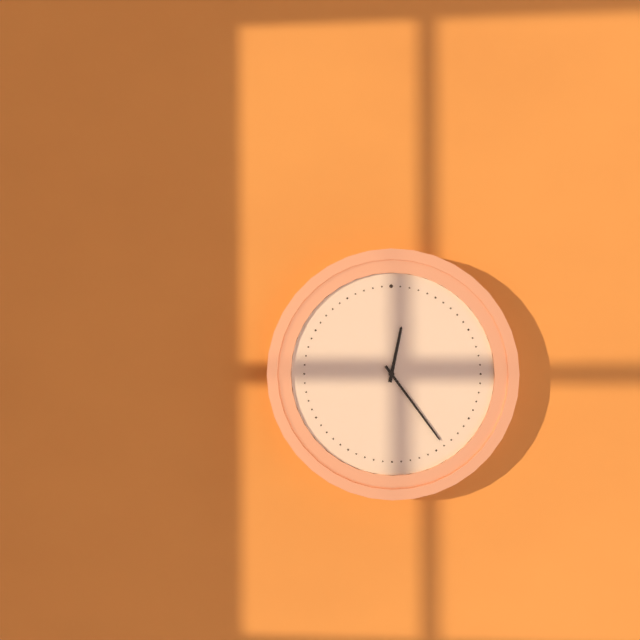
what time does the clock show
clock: 12:24
